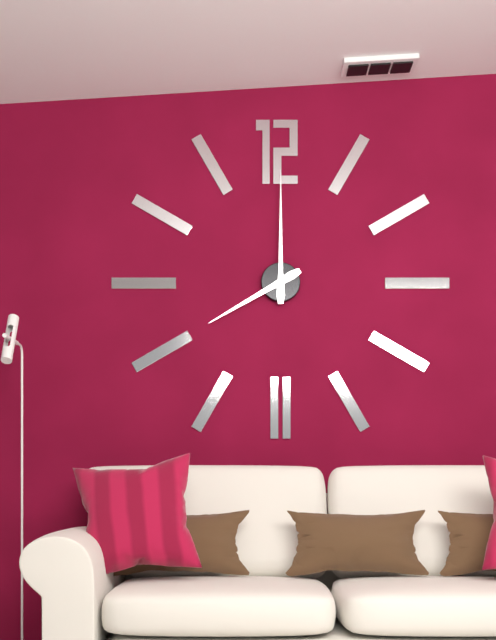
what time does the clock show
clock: 8:00
